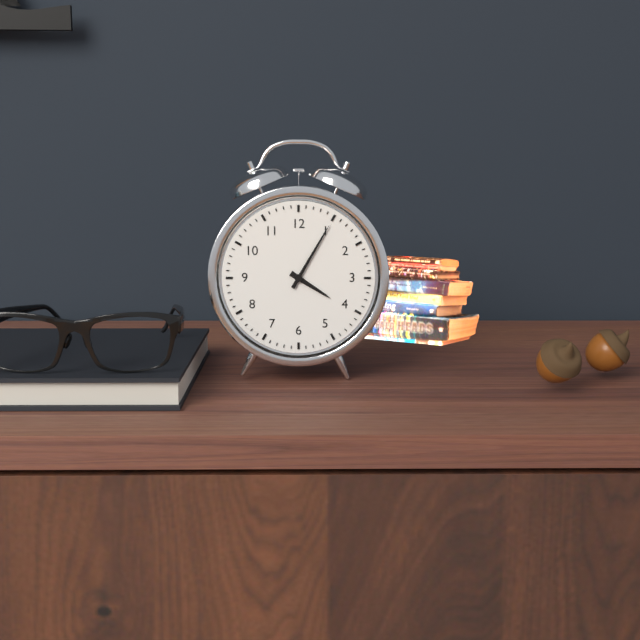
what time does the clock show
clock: 4:05
